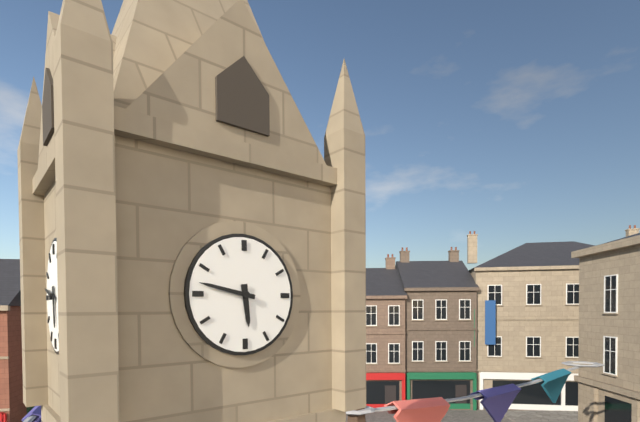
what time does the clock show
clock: 5:47
